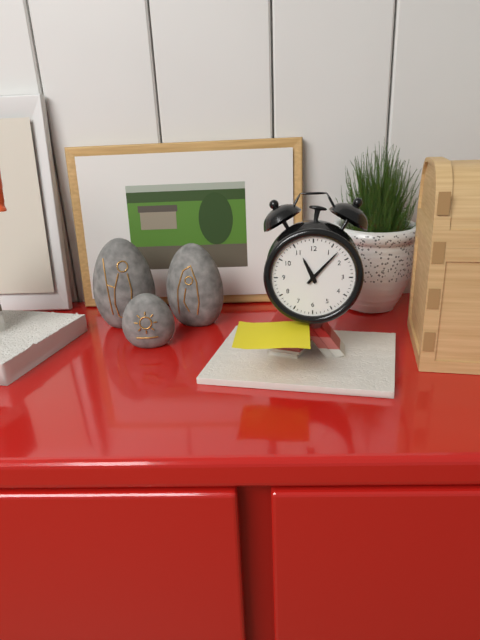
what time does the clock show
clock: 11:07
